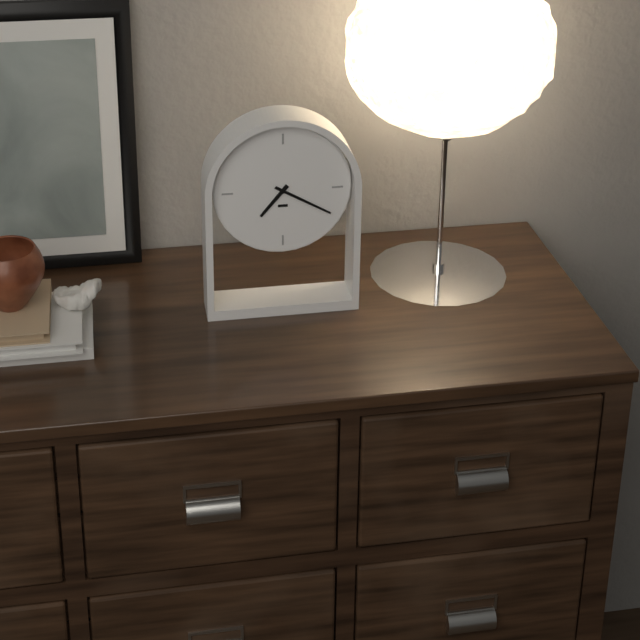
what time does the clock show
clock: 7:20
